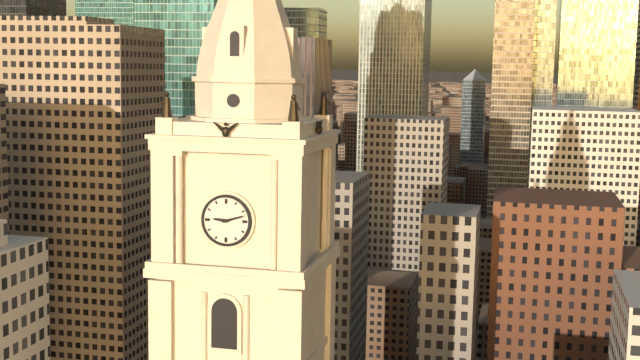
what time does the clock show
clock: 9:12
